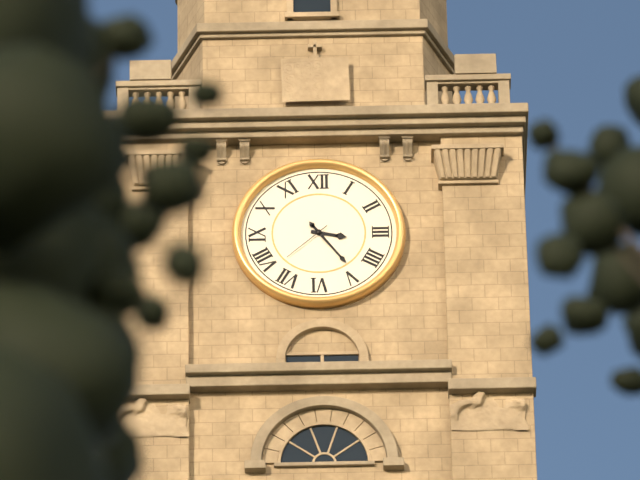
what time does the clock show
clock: 3:24
